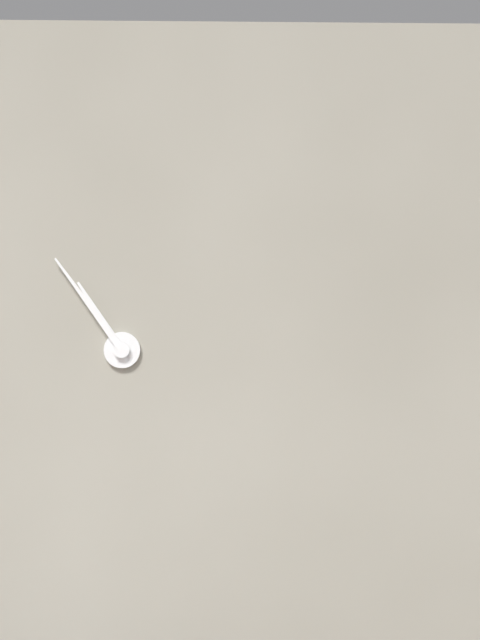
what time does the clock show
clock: 10:54
